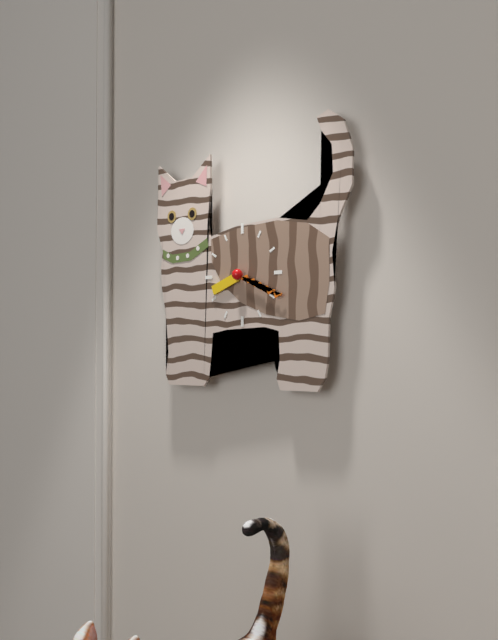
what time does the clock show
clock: 8:19
